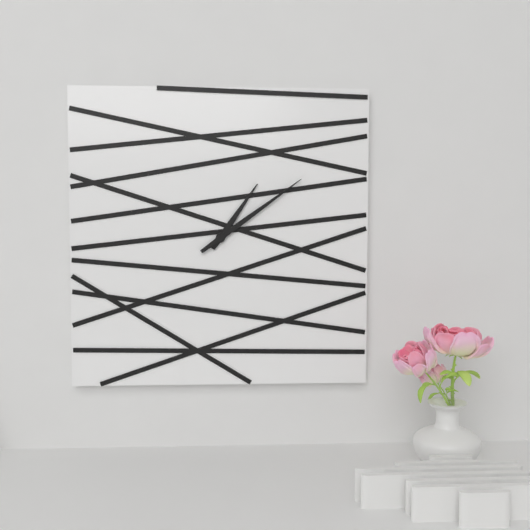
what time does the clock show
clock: 1:09
